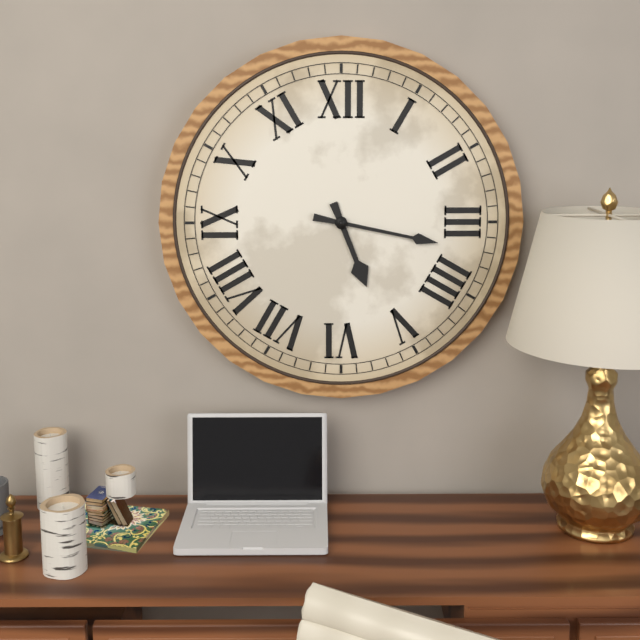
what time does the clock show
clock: 5:17
